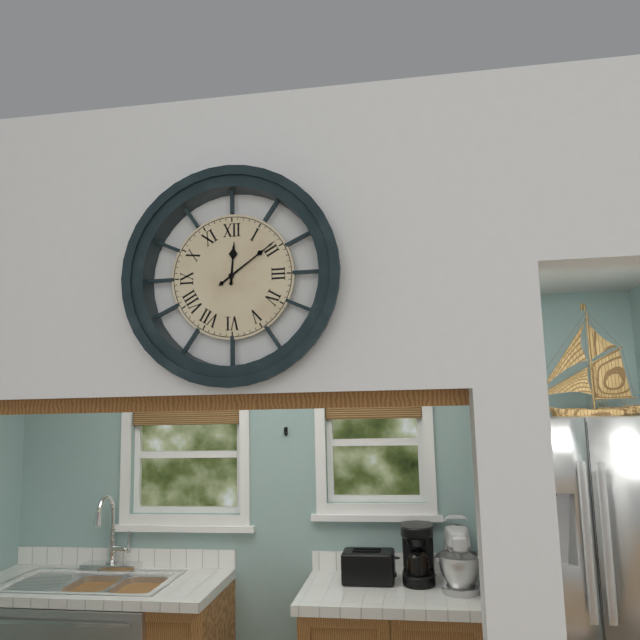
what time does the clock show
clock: 12:09
